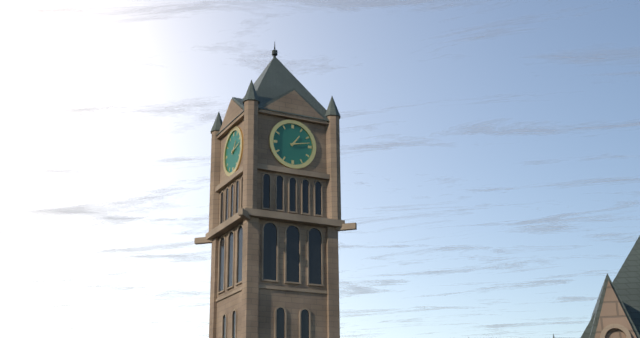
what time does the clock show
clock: 1:13
